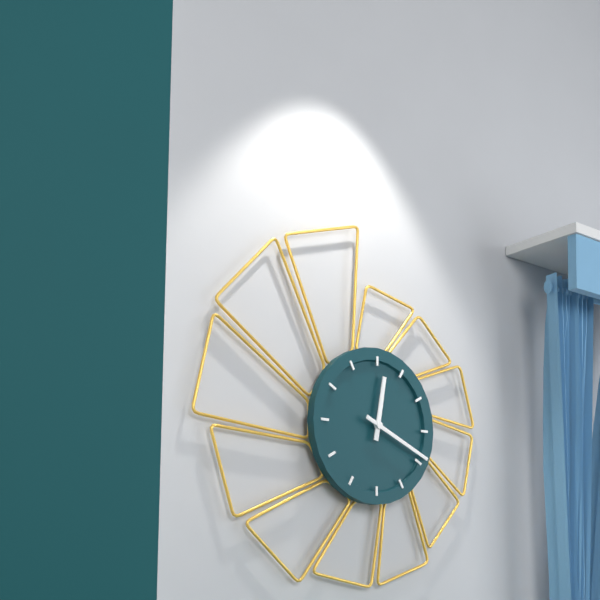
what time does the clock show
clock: 12:19
